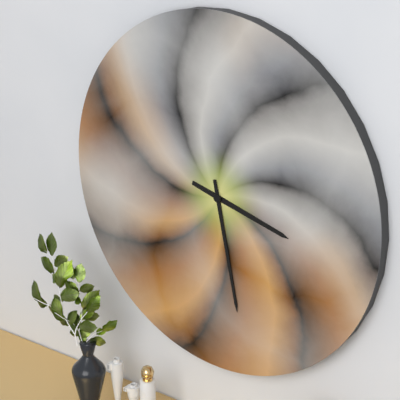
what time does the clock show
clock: 3:28
